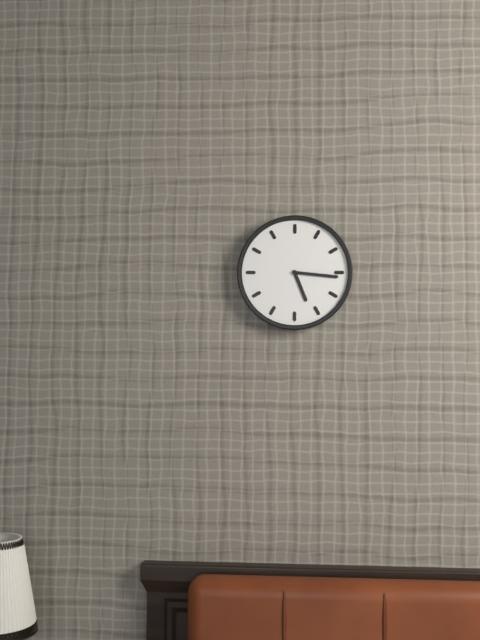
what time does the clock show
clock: 5:16
